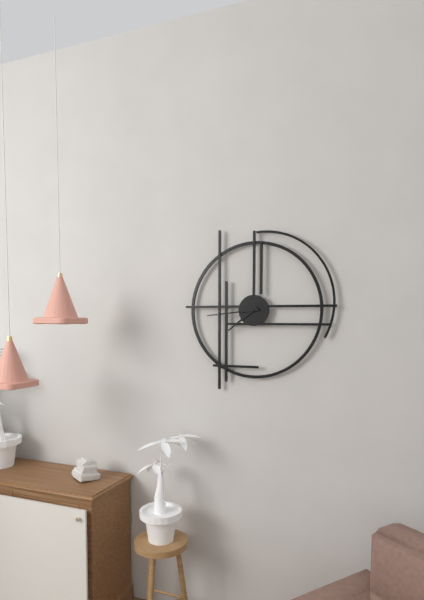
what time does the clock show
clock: 7:44
